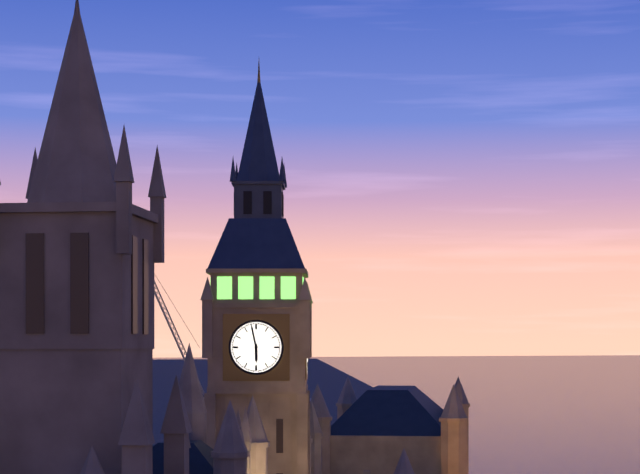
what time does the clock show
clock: 5:58
